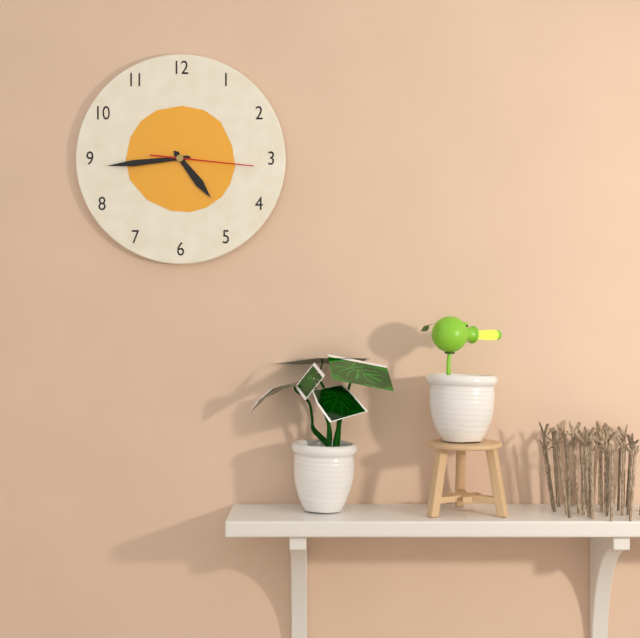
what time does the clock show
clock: 4:44:16
